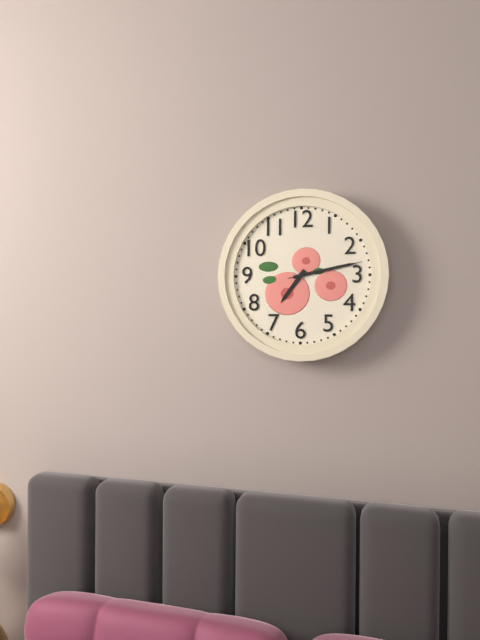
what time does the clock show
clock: 7:13:13
